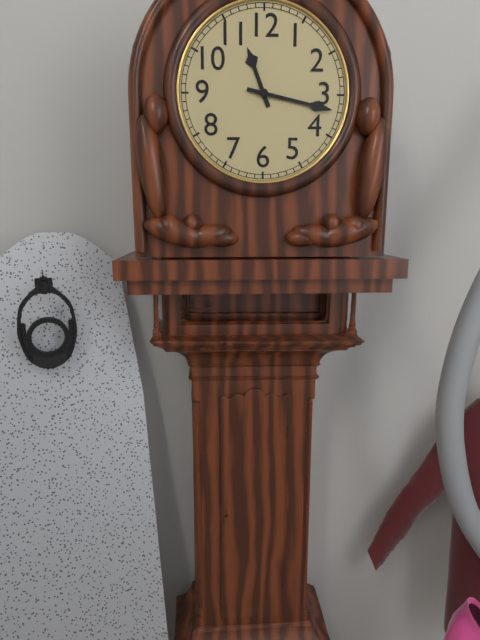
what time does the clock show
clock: 11:17
